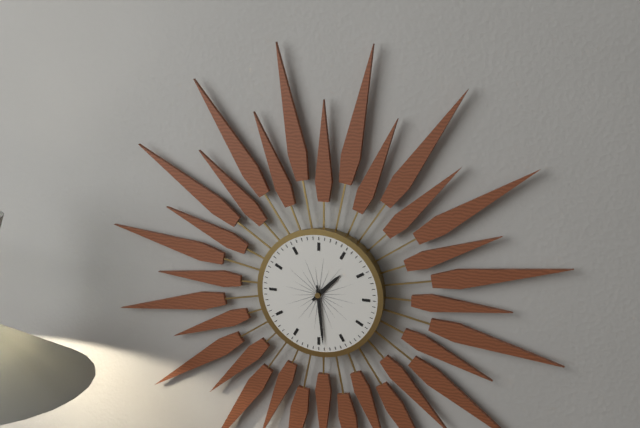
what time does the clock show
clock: 1:29
